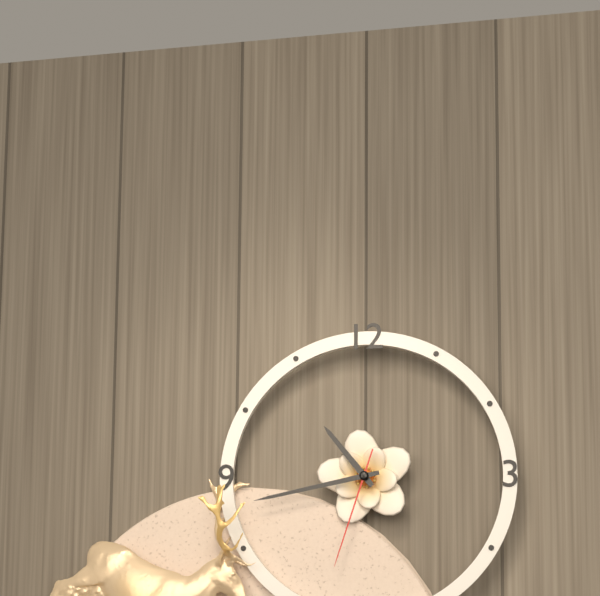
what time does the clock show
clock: 10:43:33
